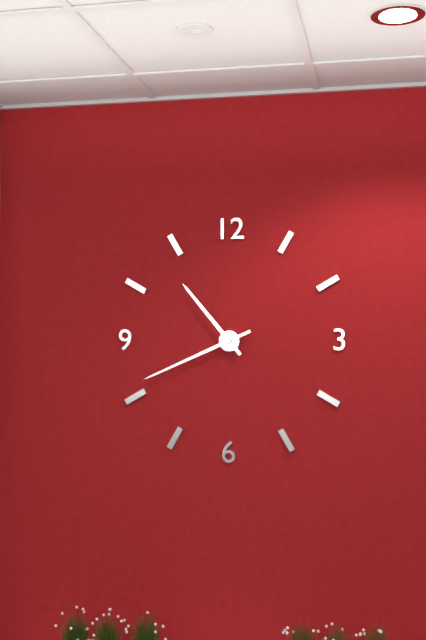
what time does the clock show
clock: 10:41
